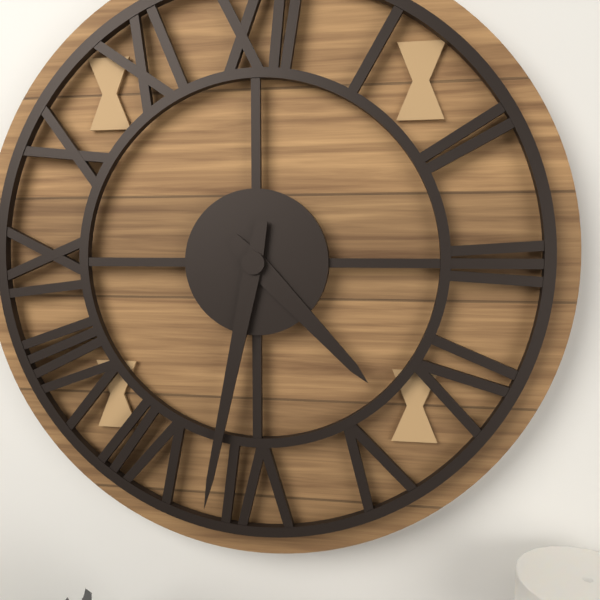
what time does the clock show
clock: 4:32
